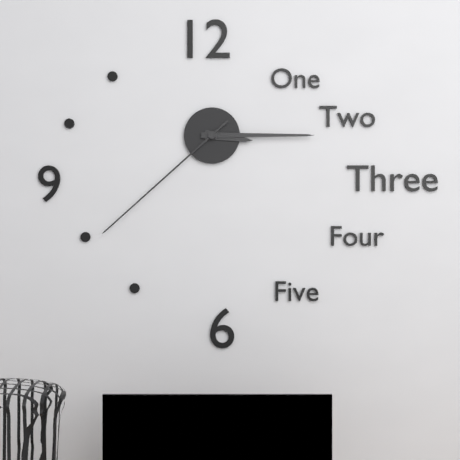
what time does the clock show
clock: 3:15:38
